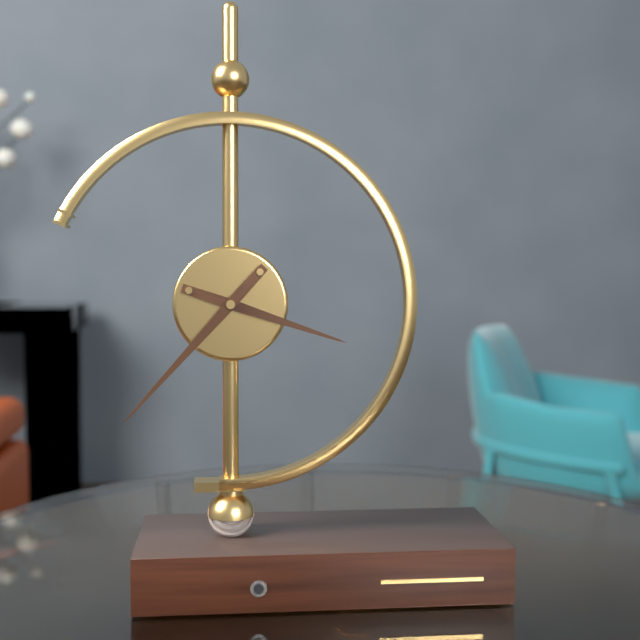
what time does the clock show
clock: 3:37
